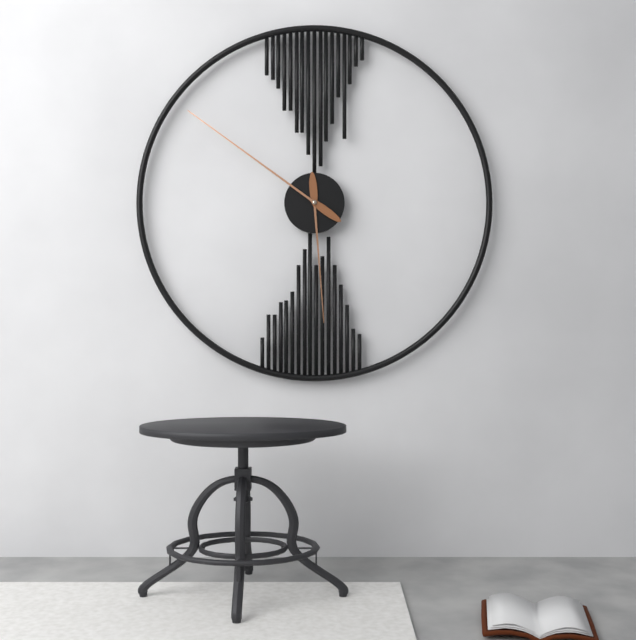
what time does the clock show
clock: 5:51
